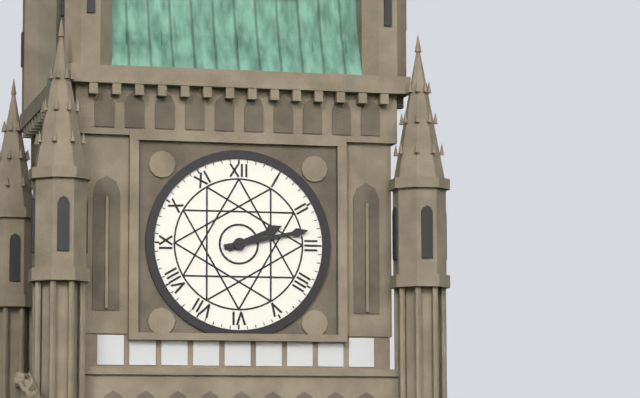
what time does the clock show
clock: 2:13
